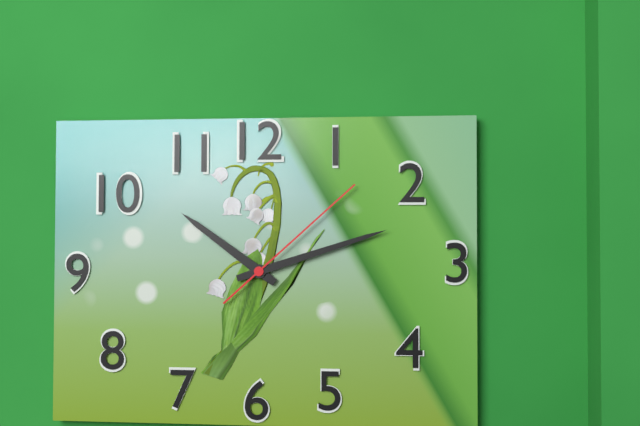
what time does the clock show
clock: 10:12:08
